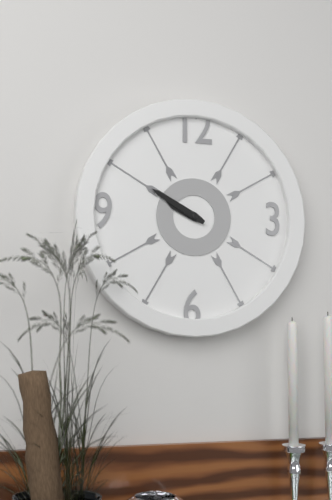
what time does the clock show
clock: 9:50
